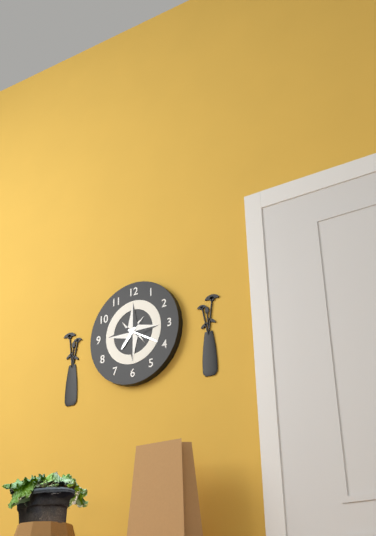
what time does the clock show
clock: 7:20
